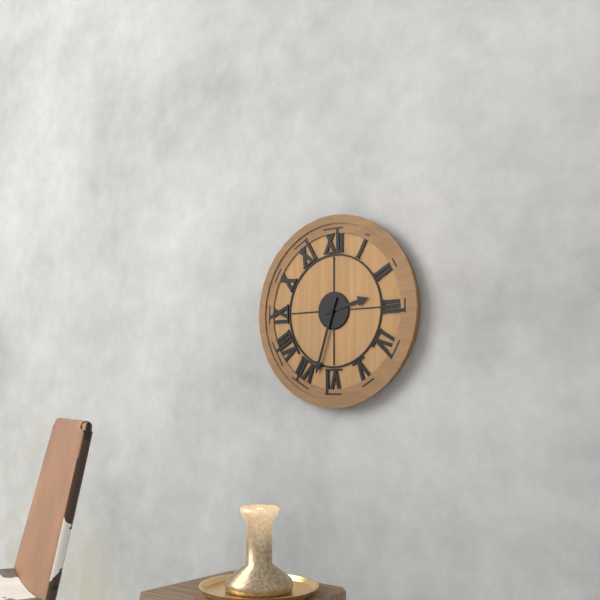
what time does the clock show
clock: 2:33
